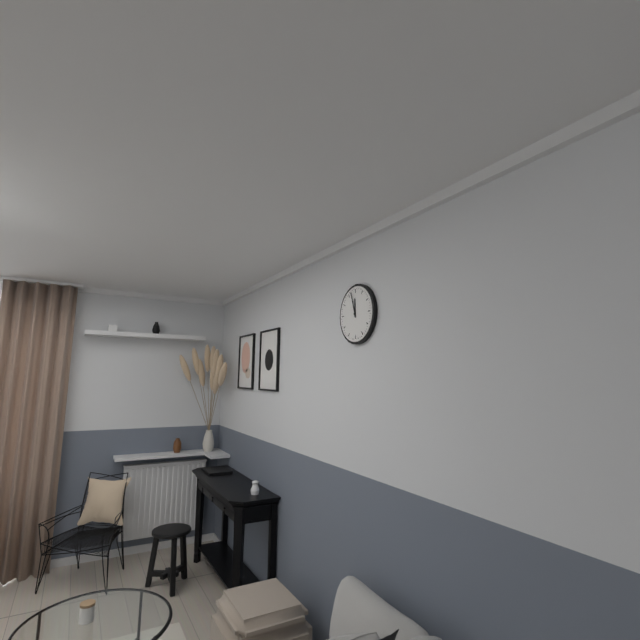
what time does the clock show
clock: 11:57
